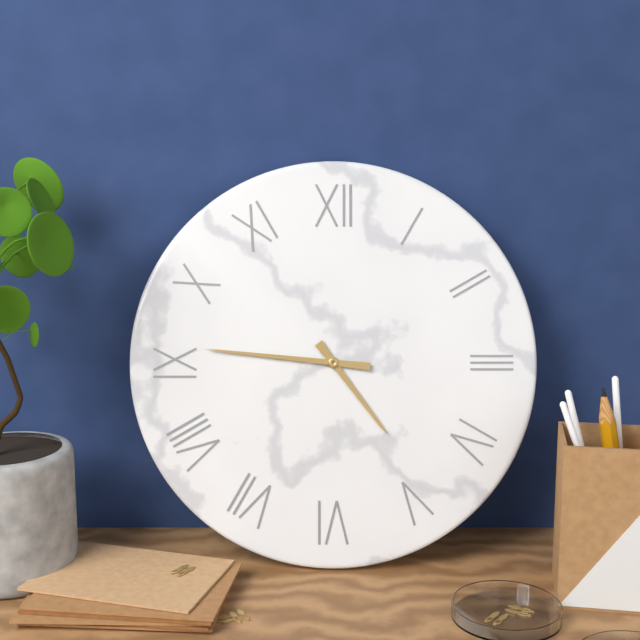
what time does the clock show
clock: 4:46
